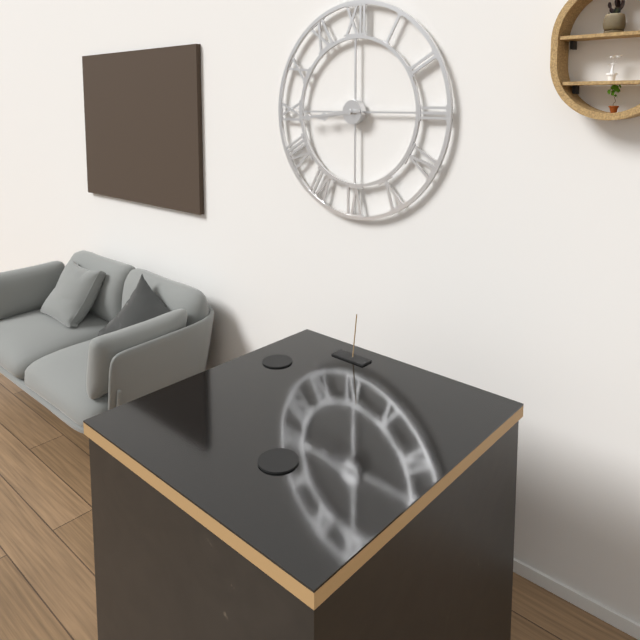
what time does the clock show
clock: 8:44
